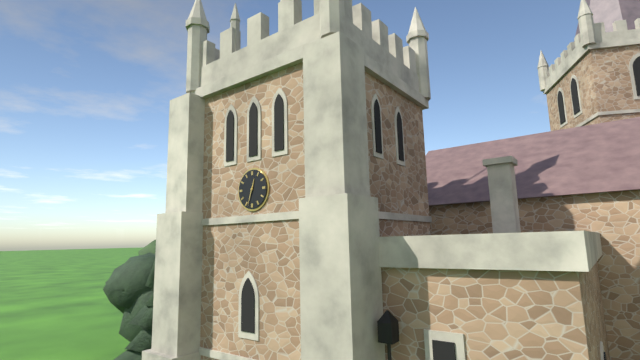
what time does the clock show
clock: 12:33
